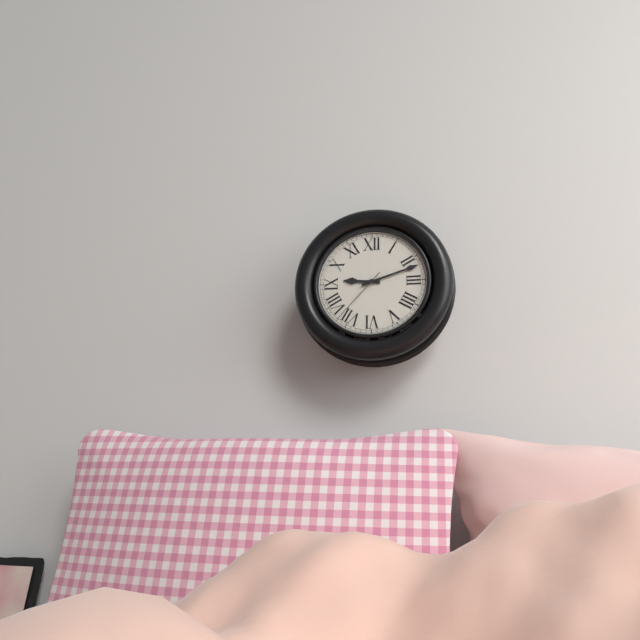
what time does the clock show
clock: 9:12:37
